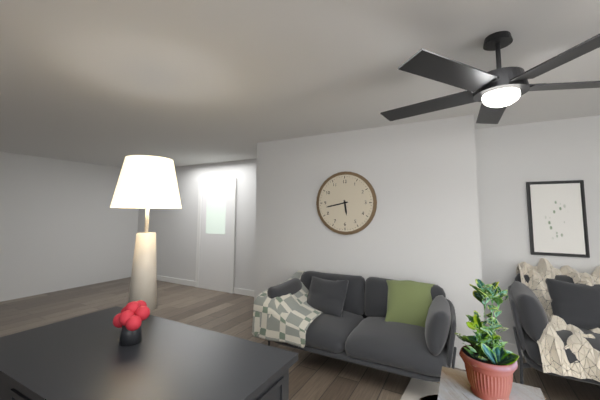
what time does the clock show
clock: 5:43
